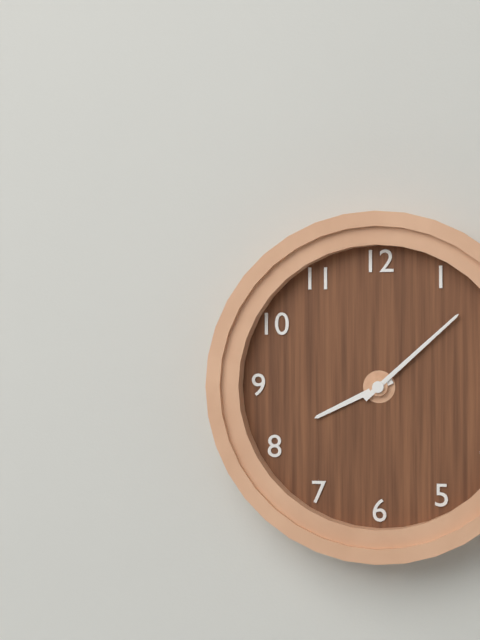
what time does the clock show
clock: 8:08
